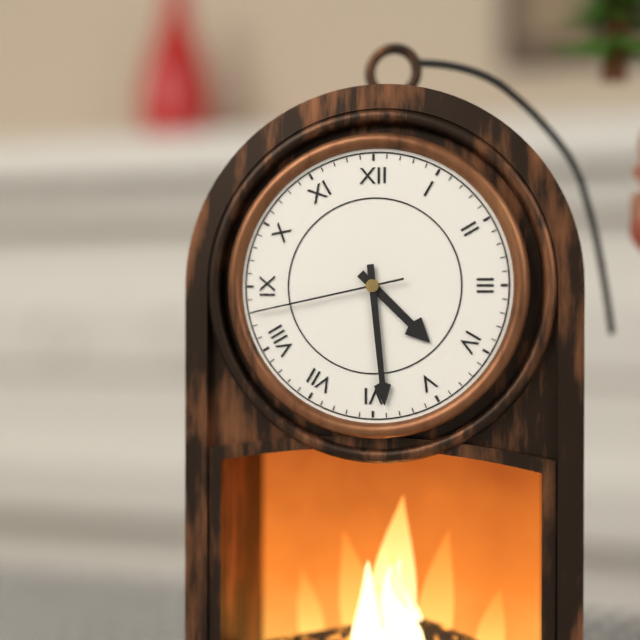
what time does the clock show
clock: 4:29:43
